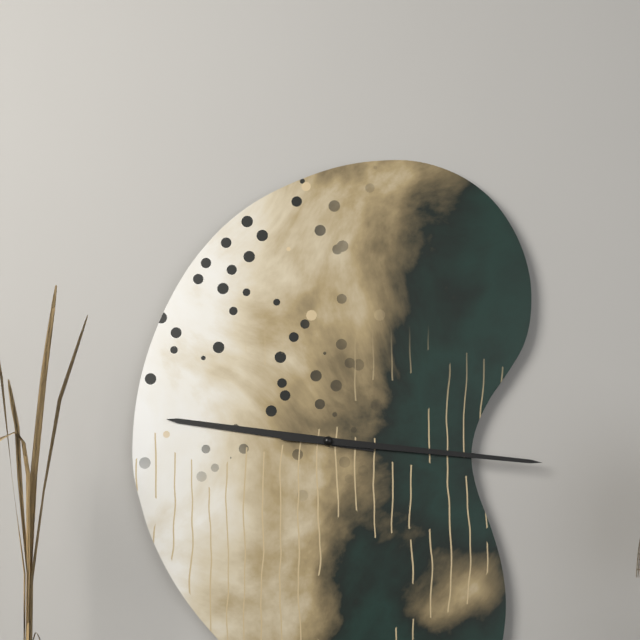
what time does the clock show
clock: 9:16
